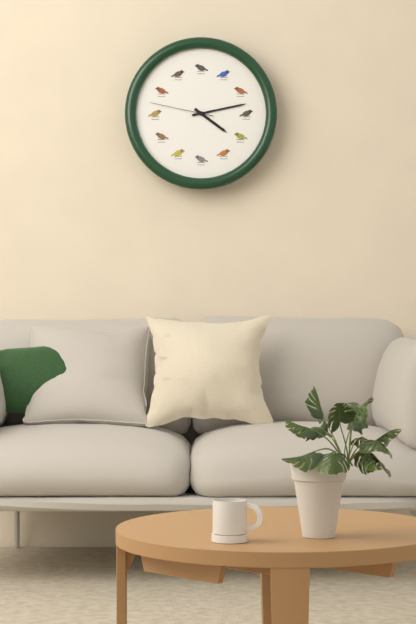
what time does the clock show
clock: 4:13:47
